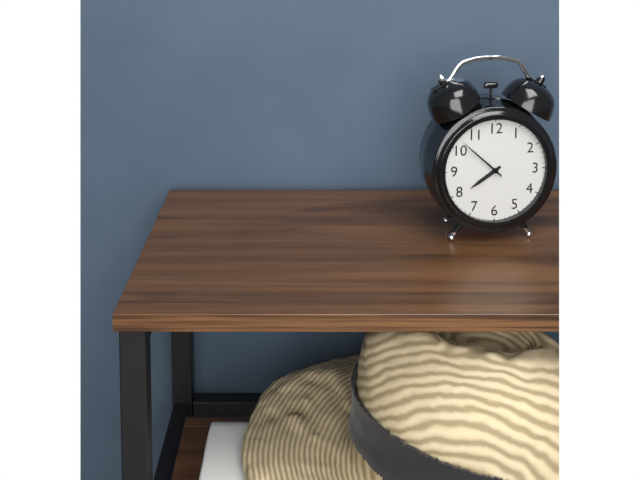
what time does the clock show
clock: 7:52
